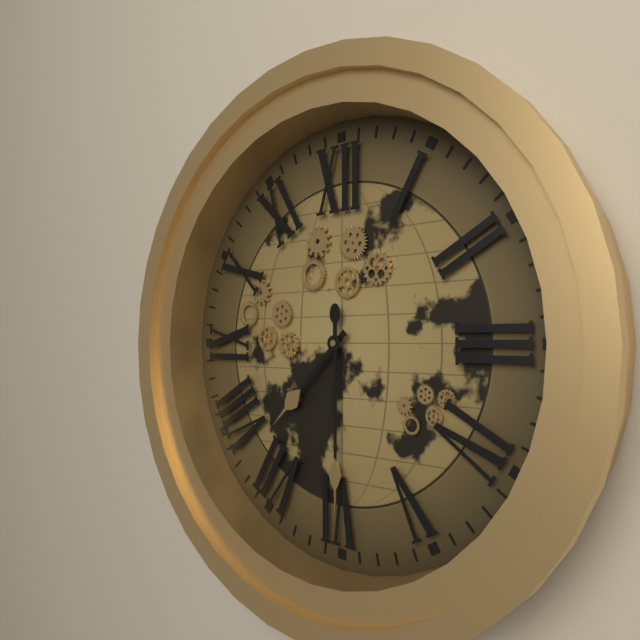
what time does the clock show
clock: 7:30
